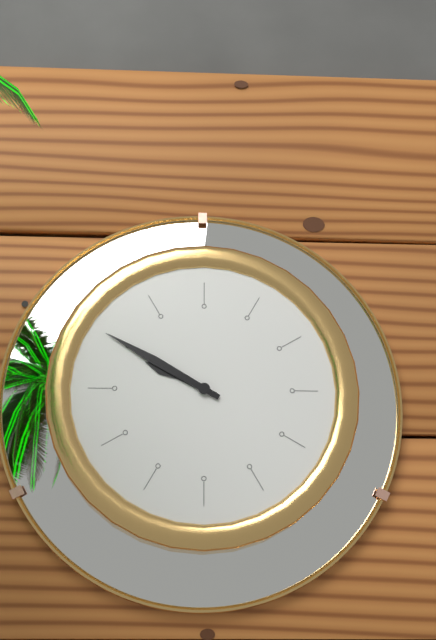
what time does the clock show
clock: 9:50
